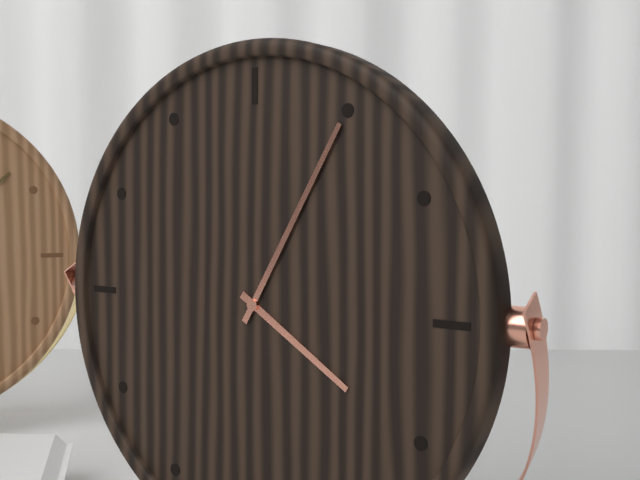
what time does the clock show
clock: 4:05
